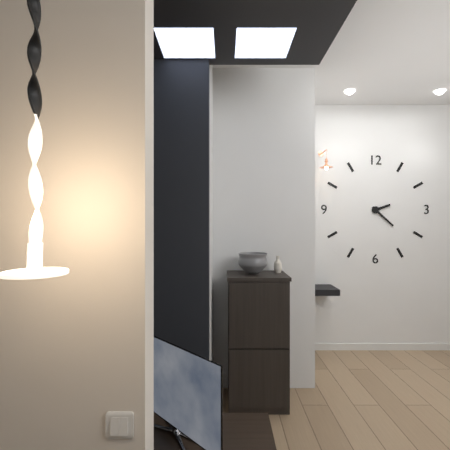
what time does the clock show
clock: 2:22
